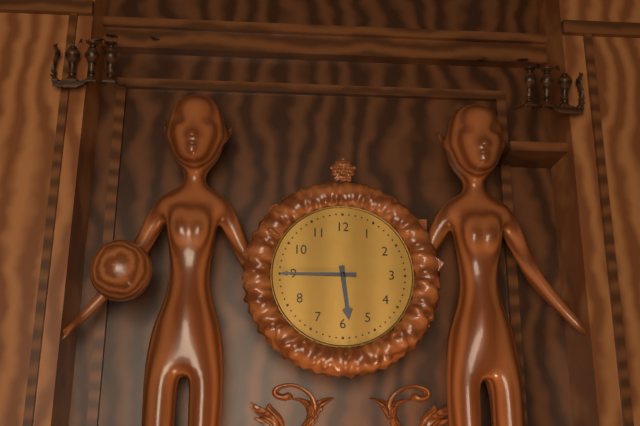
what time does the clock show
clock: 5:45
